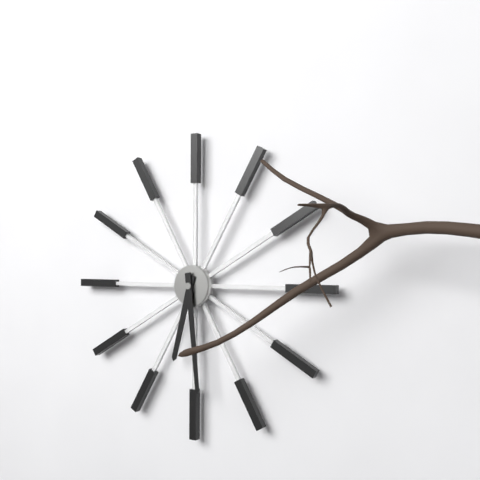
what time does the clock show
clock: 6:29
